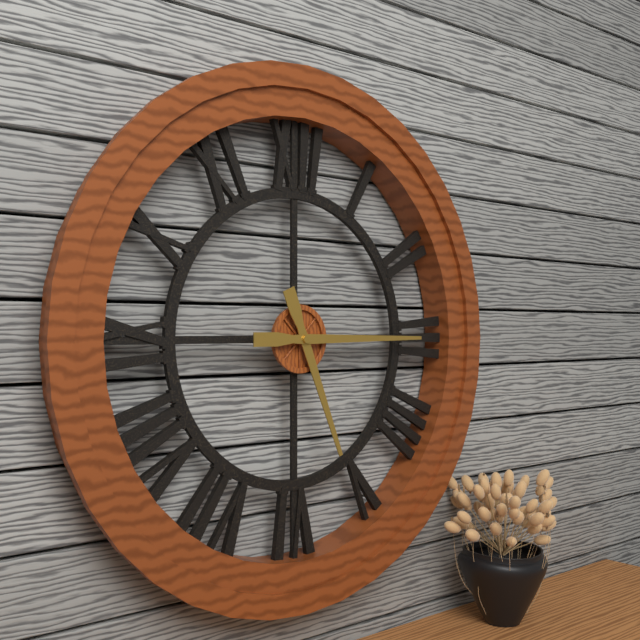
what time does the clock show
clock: 5:15
